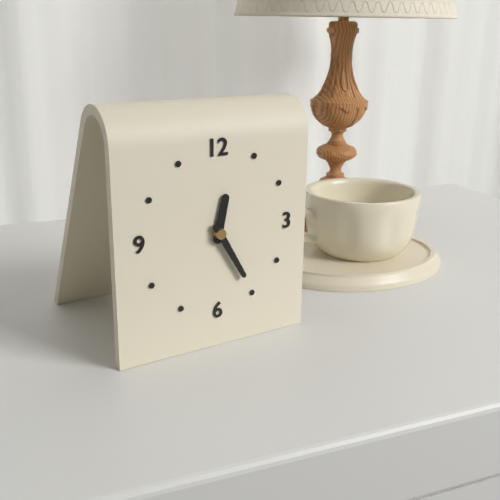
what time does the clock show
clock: 12:25
